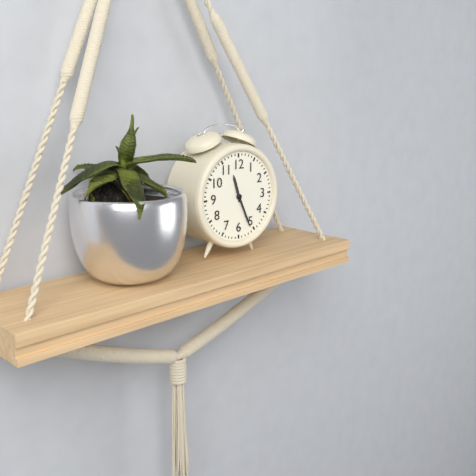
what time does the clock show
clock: 11:26
